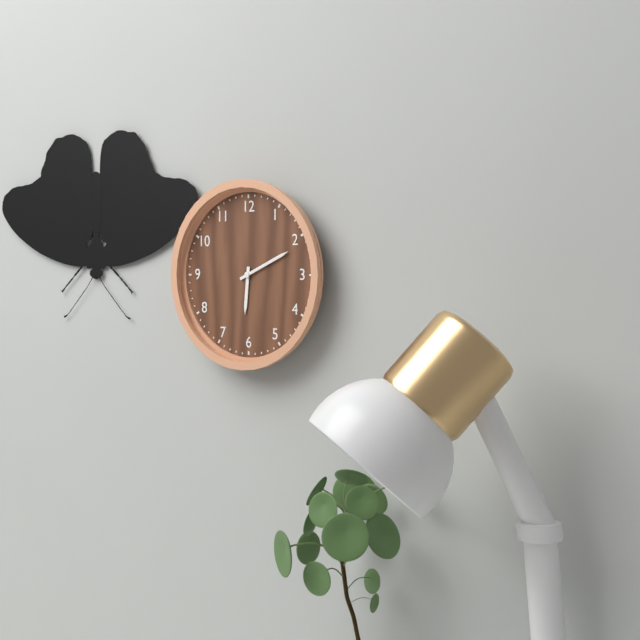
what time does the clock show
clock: 6:11
